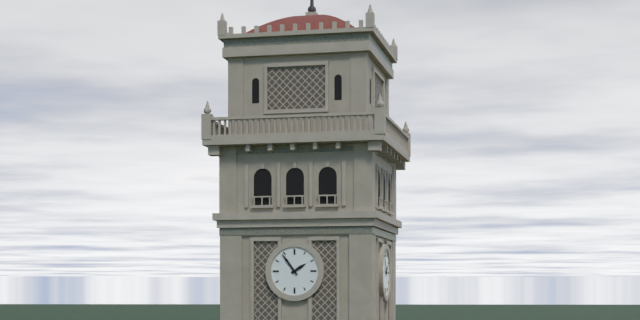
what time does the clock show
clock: 1:54
